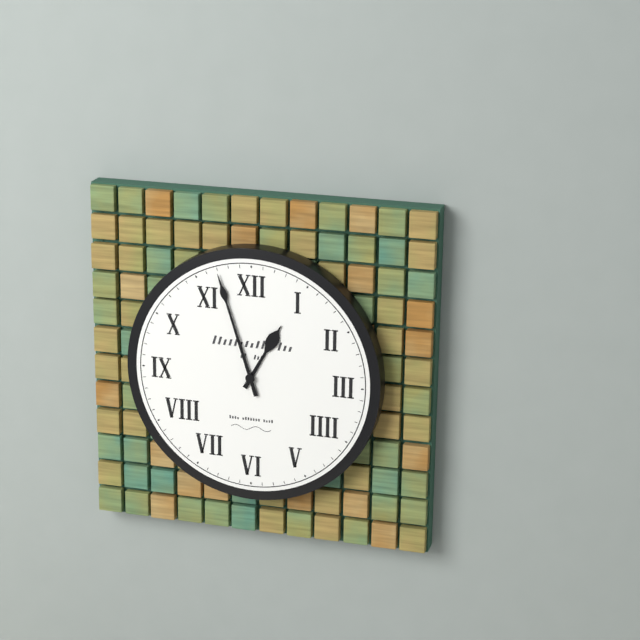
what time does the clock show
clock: 12:57
